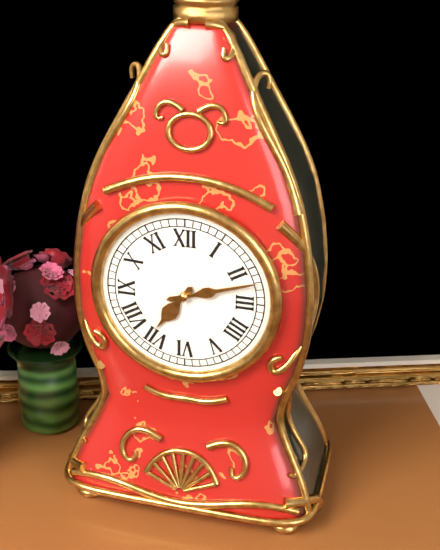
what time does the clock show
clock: 7:12
